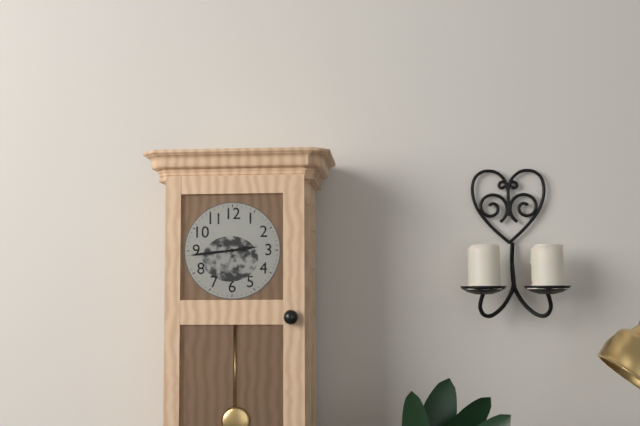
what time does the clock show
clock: 2:44
